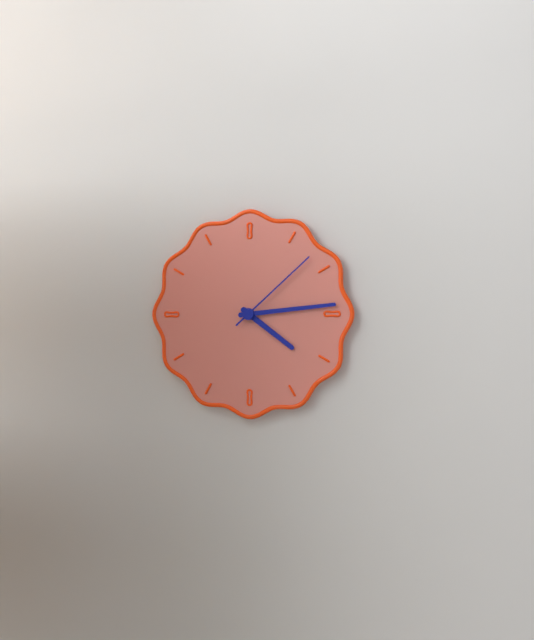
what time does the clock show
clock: 4:14:08
